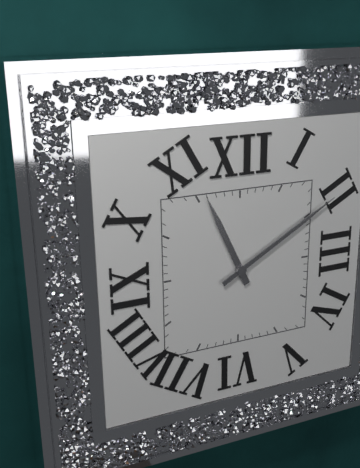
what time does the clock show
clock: 11:10
